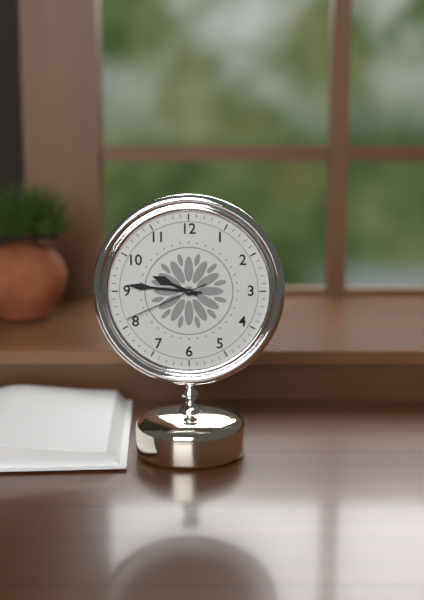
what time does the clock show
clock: 9:46:41
